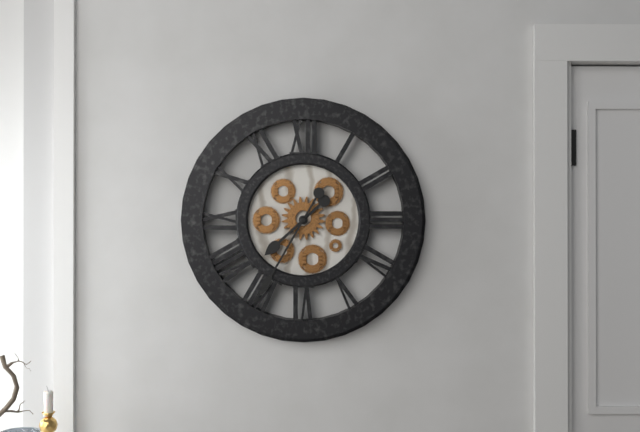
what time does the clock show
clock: 7:35
